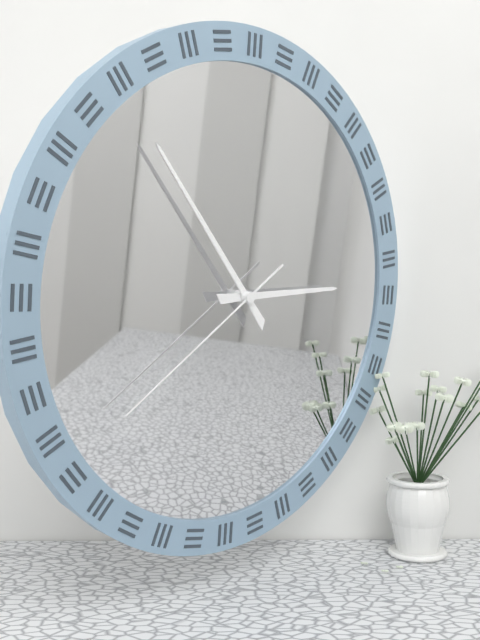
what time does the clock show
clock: 2:53:39
